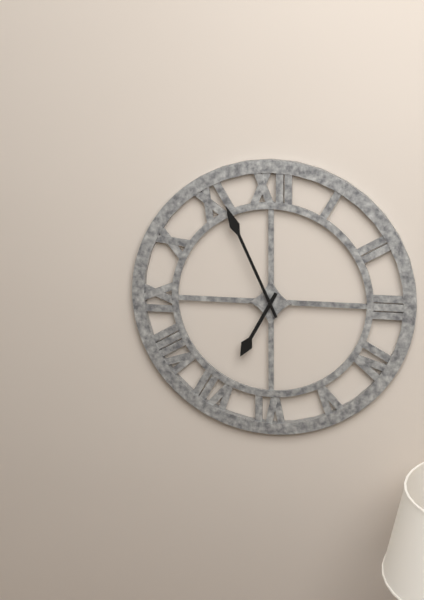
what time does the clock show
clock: 6:56
